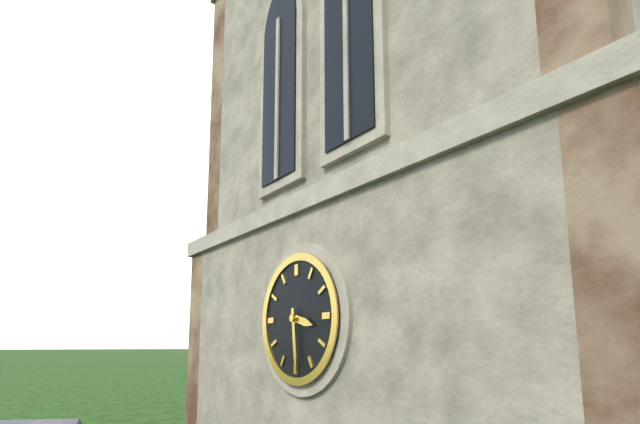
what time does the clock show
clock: 3:29
